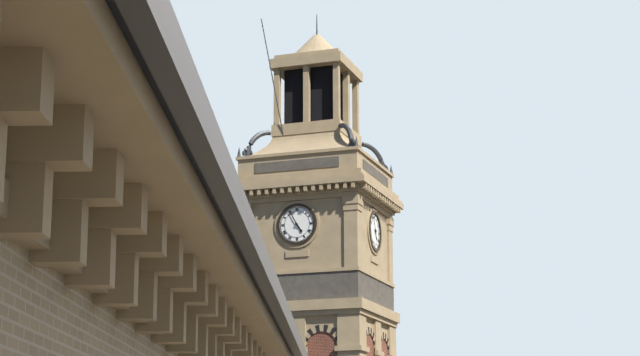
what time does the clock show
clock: 4:55
